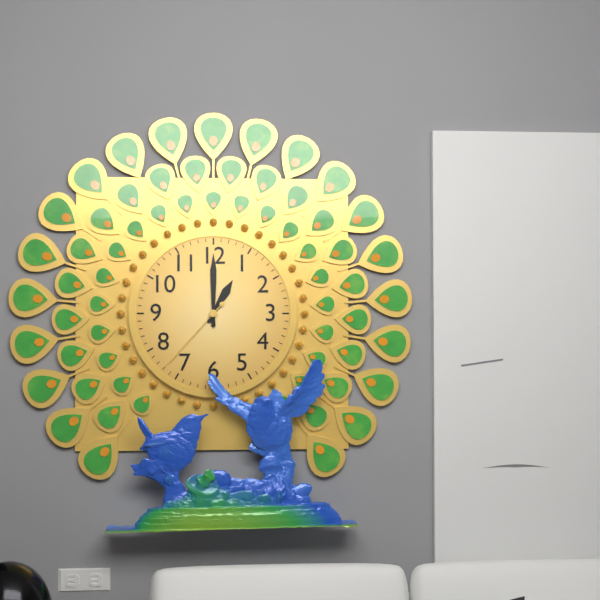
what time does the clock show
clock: 1:00:37
